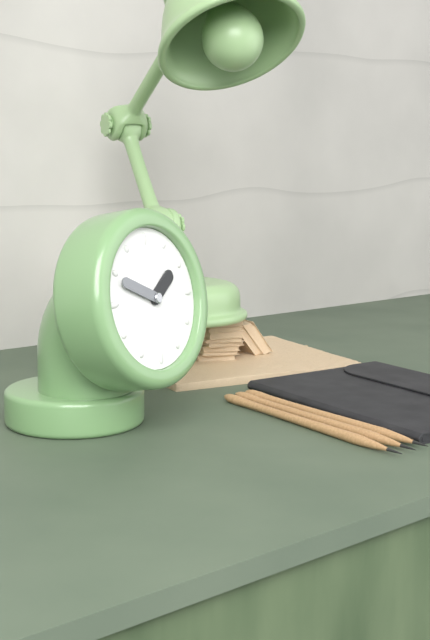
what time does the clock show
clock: 1:49
